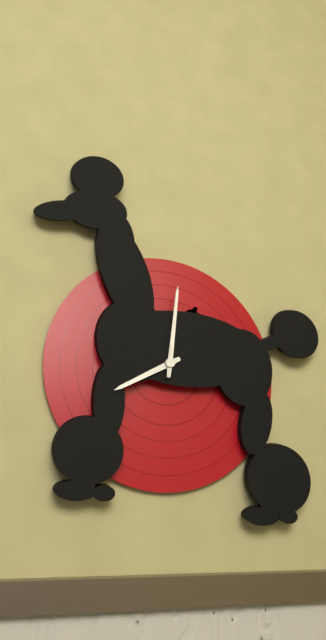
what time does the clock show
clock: 8:01
